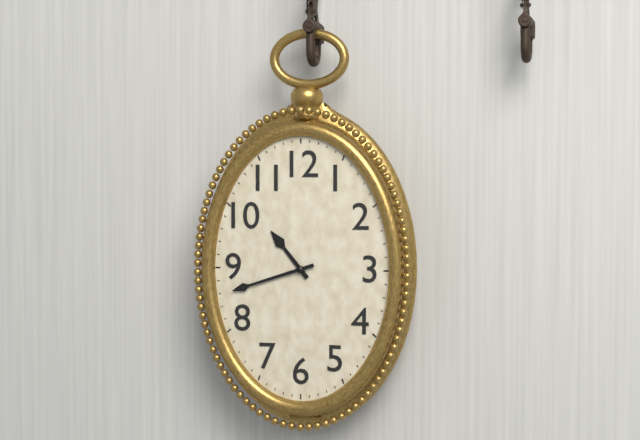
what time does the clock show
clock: 10:42
